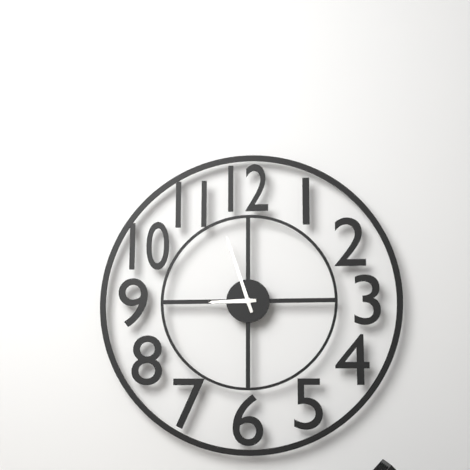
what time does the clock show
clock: 8:57
